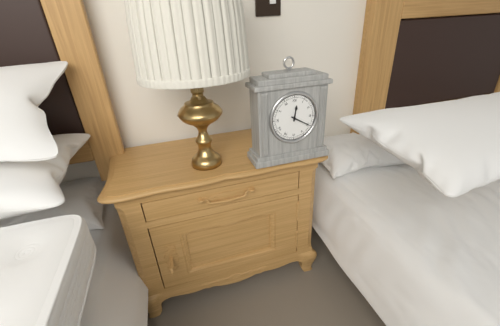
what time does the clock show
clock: 12:20
